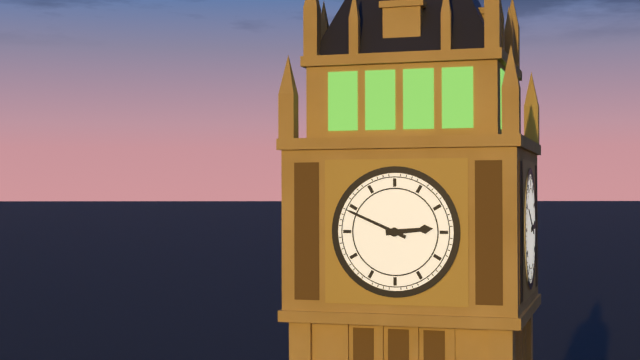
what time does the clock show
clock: 2:49
